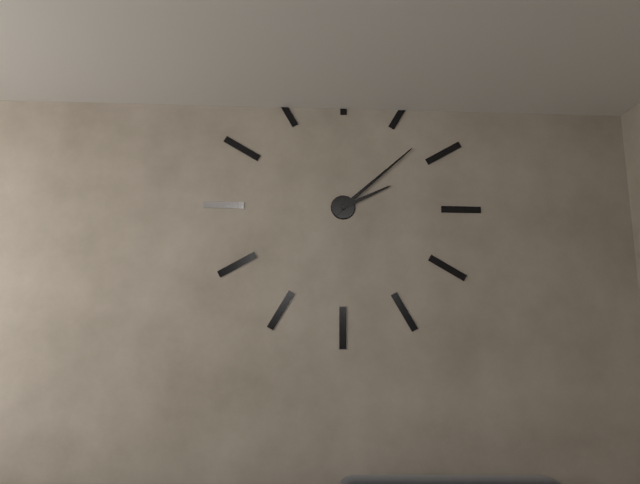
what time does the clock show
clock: 2:08
